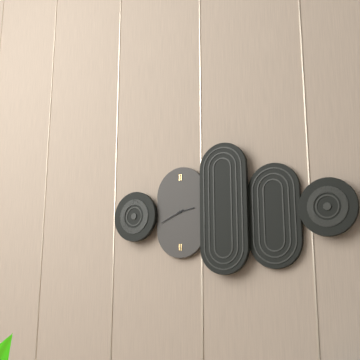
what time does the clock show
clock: 2:41
